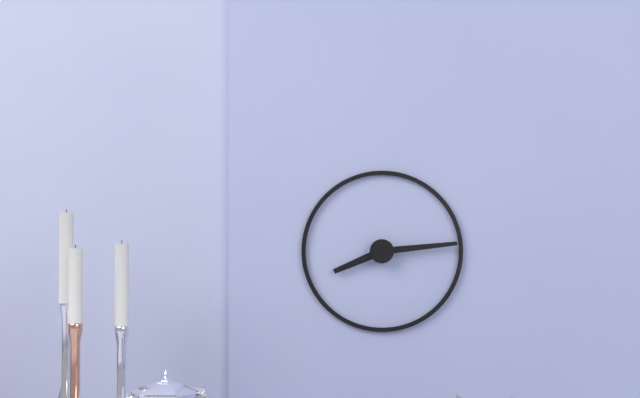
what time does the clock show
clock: 8:14
